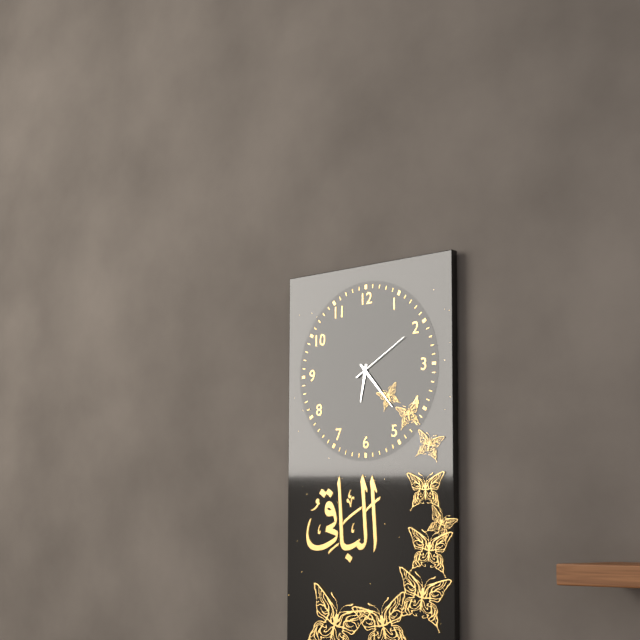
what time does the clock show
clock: 6:23:10
